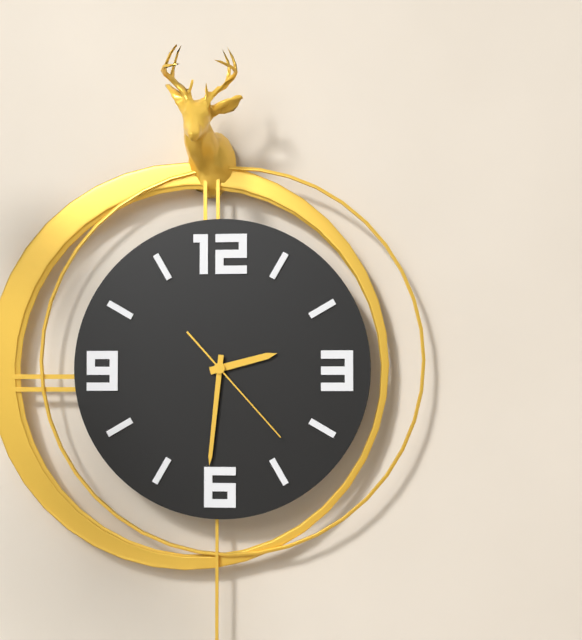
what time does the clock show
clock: 2:31:23
